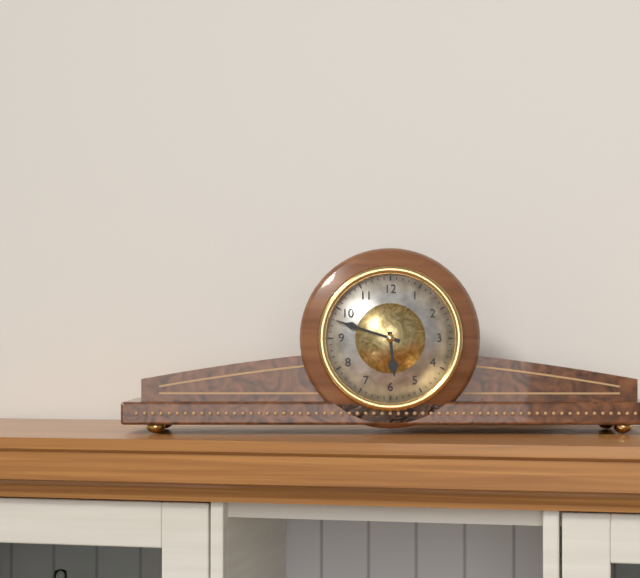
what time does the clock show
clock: 5:48
